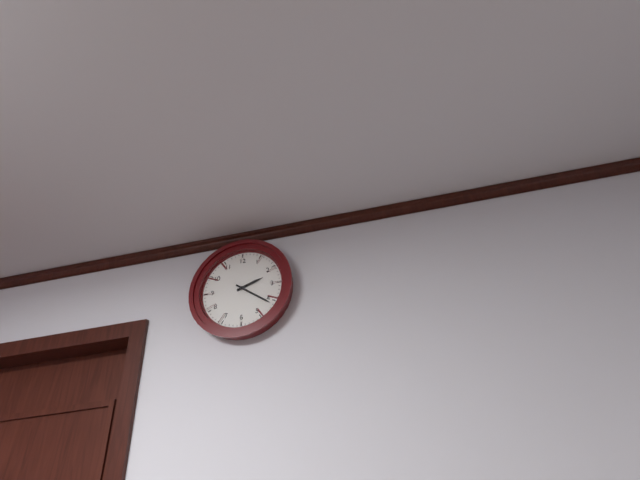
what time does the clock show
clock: 2:21
